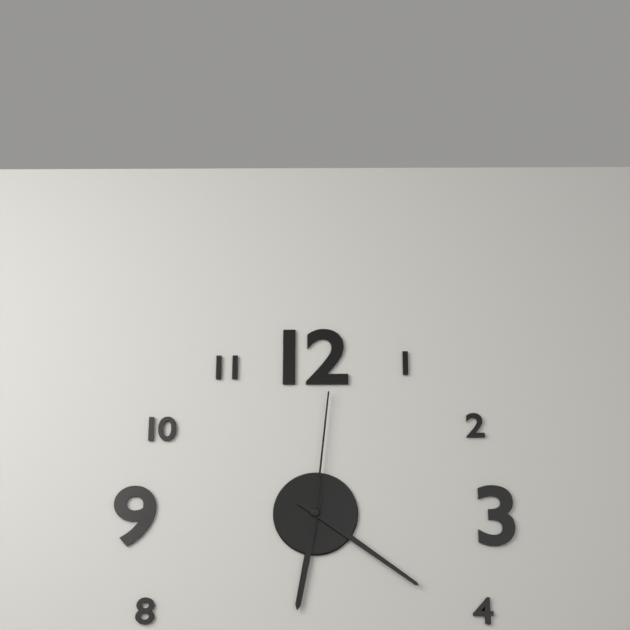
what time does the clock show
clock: 6:21:01
